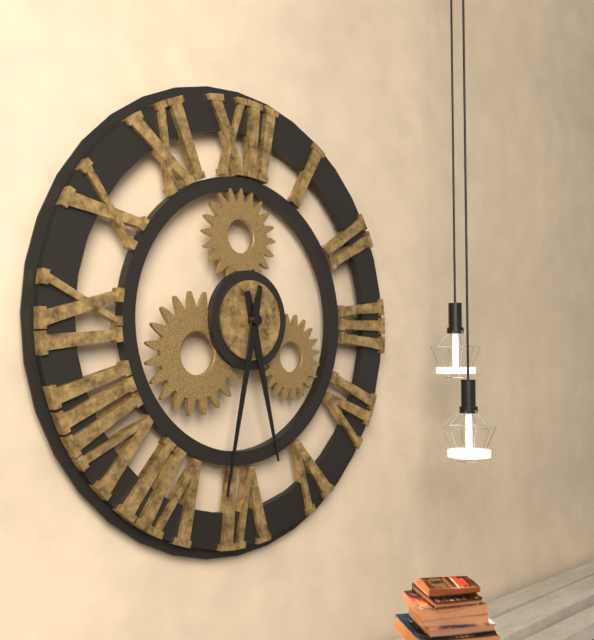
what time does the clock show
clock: 5:32
